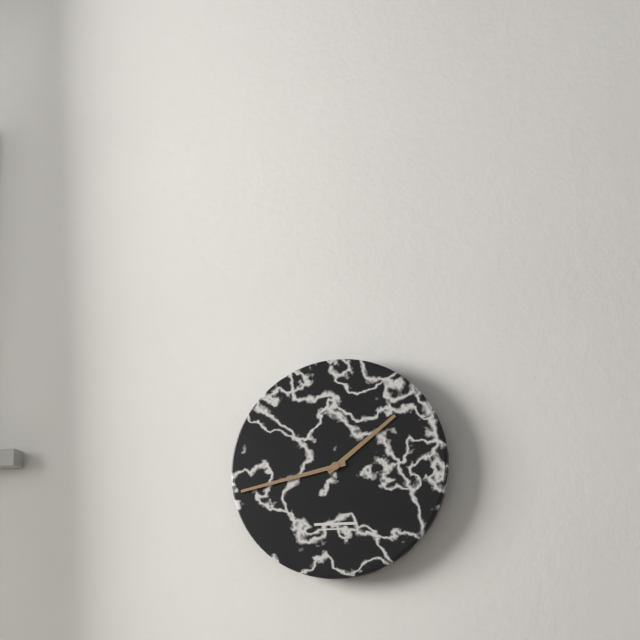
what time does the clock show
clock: 1:43
